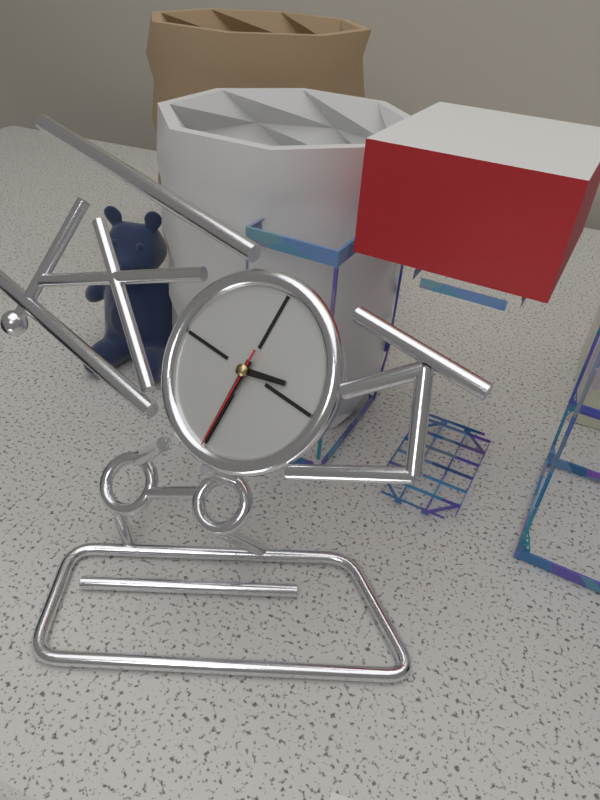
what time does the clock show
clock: 2:30:30
